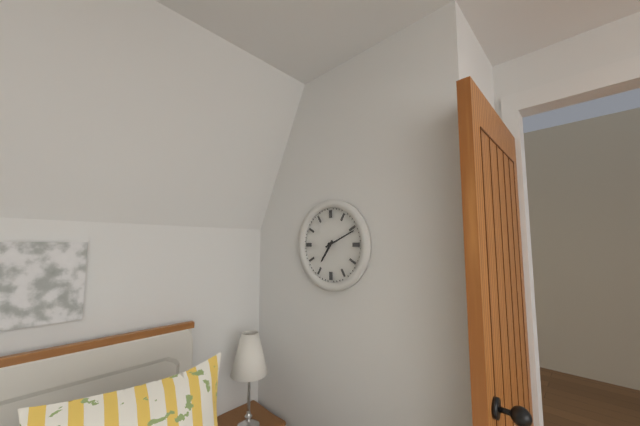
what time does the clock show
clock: 7:11
